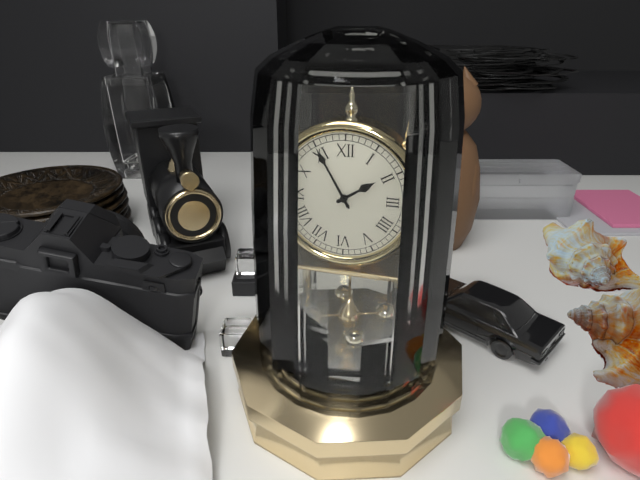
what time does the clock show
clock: 1:55
